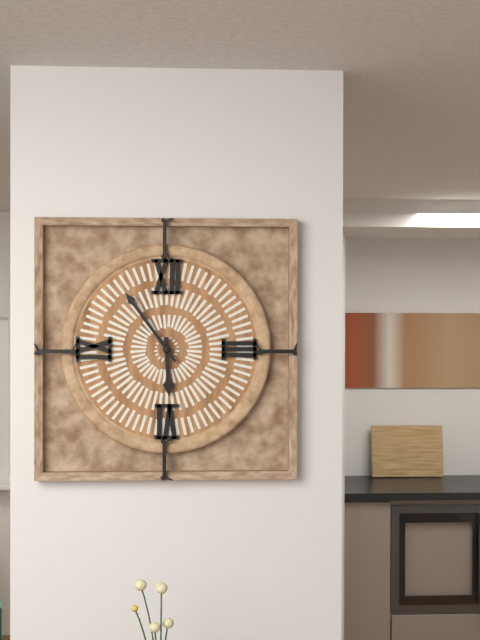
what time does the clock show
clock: 5:54
